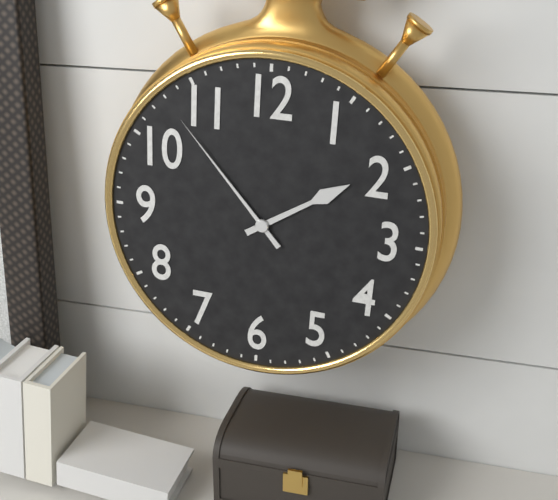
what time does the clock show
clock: 1:53
